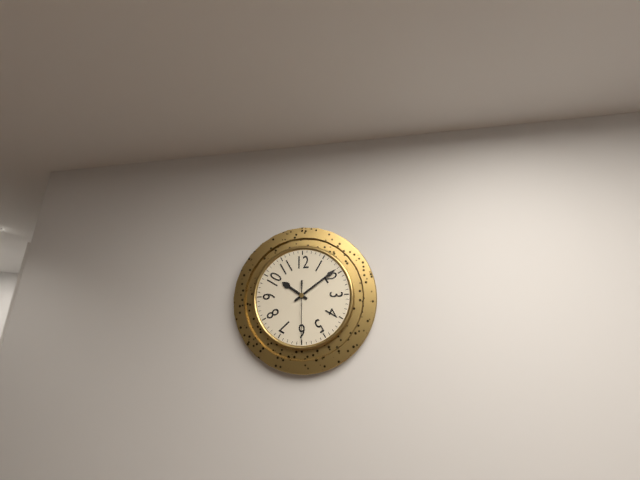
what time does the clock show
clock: 10:09:30
